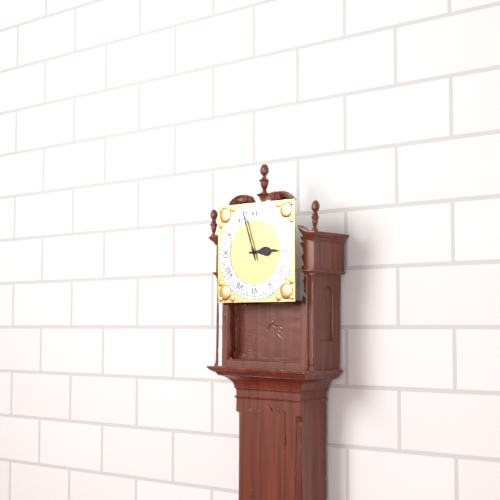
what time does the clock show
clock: 2:57
